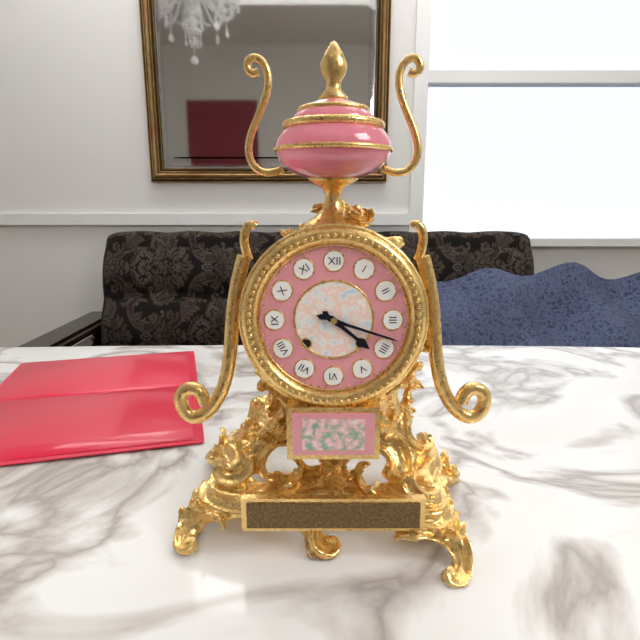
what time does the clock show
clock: 4:18
